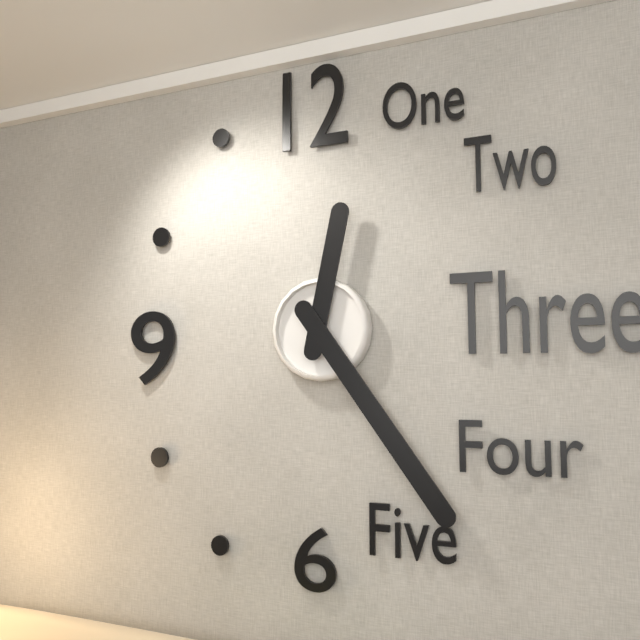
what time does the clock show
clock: 12:24
